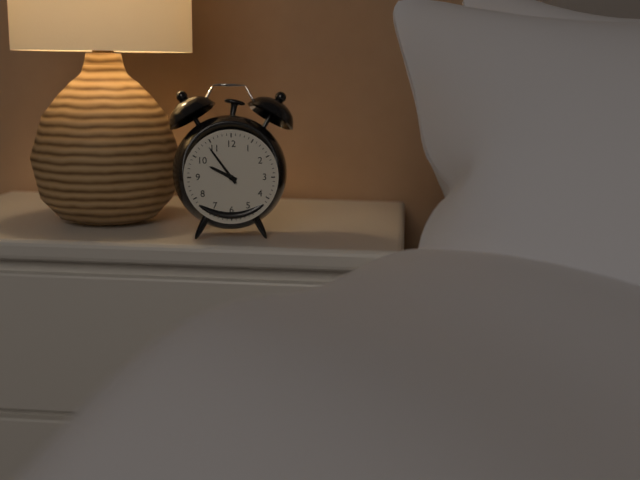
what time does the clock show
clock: 9:54
